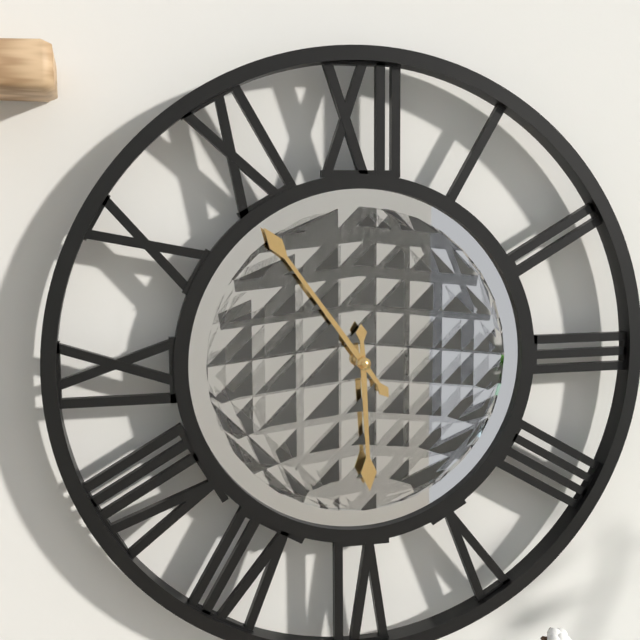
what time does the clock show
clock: 5:54
